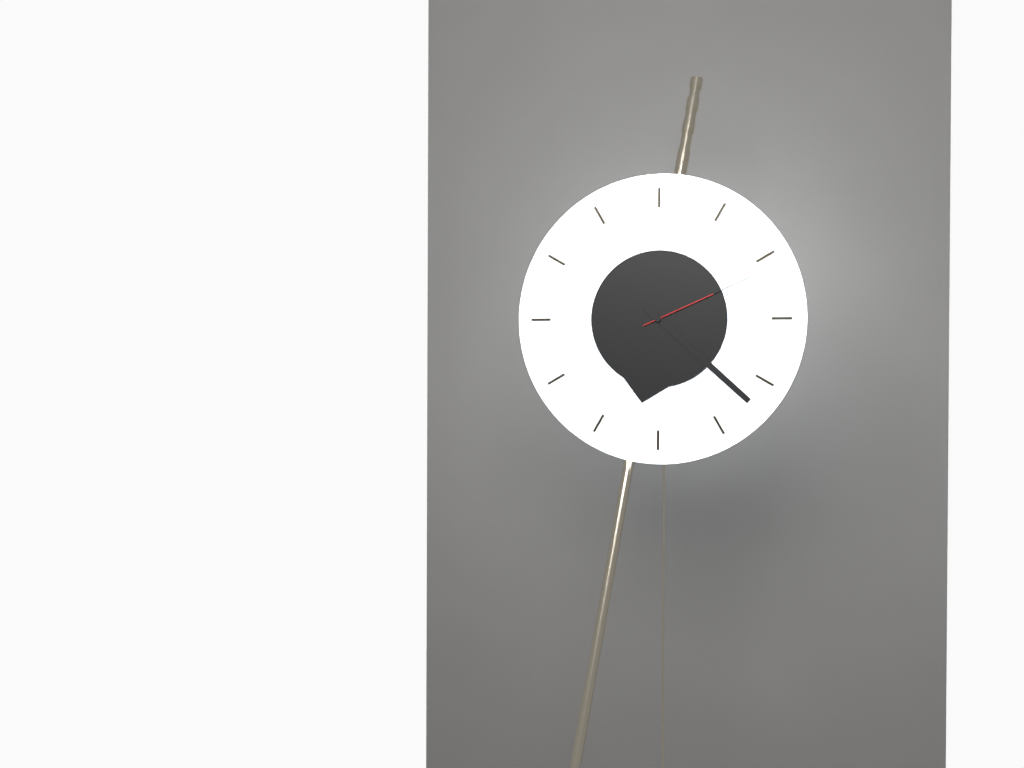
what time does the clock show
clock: 6:22:11
